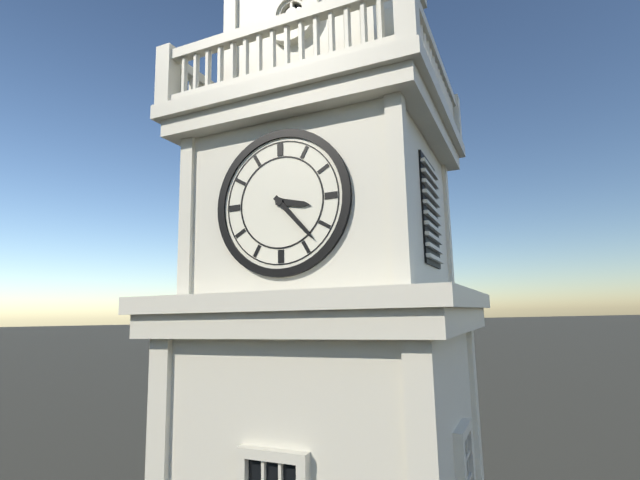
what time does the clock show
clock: 3:23
